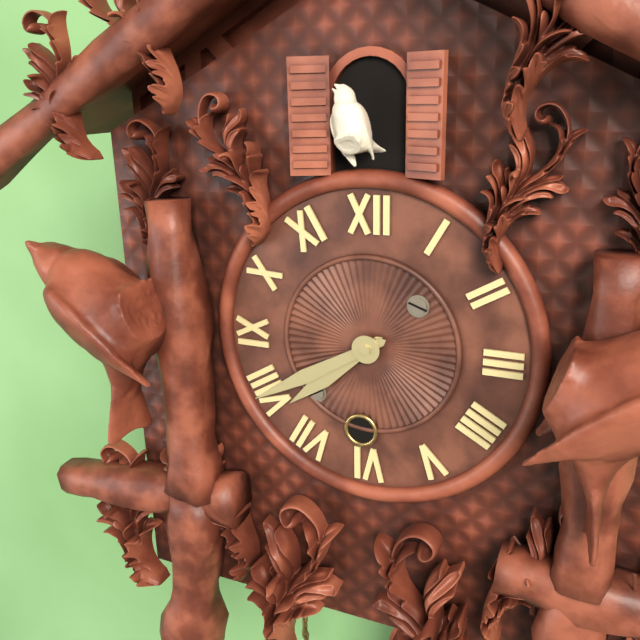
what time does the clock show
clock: 7:40
